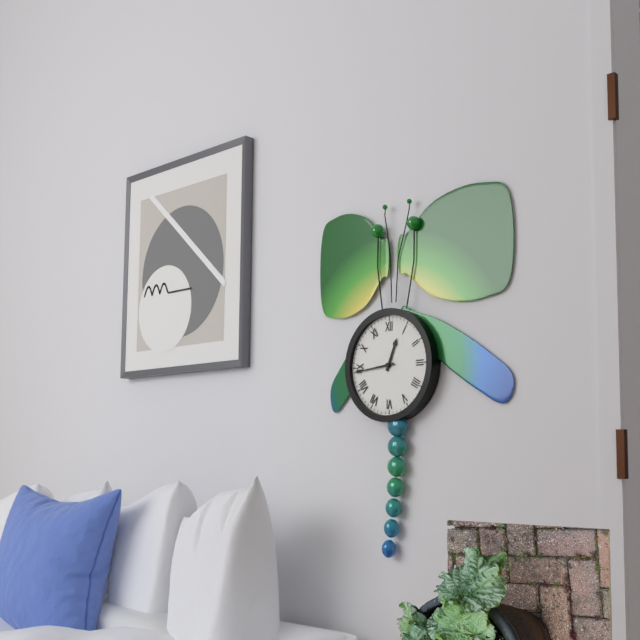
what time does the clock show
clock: 12:44
